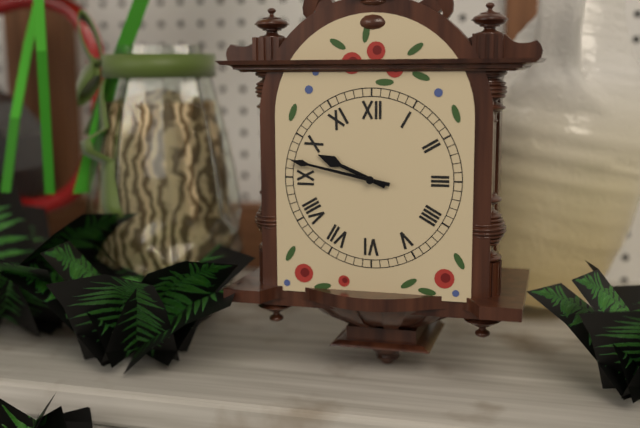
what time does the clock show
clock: 9:47
